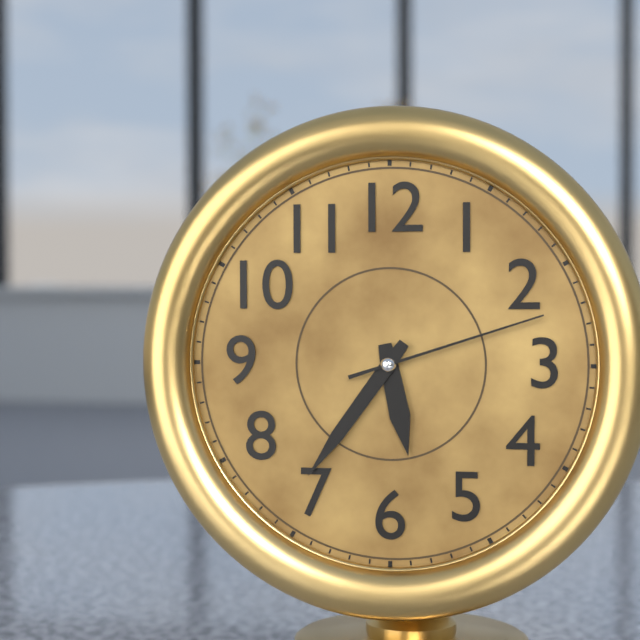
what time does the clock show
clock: 5:36:12
